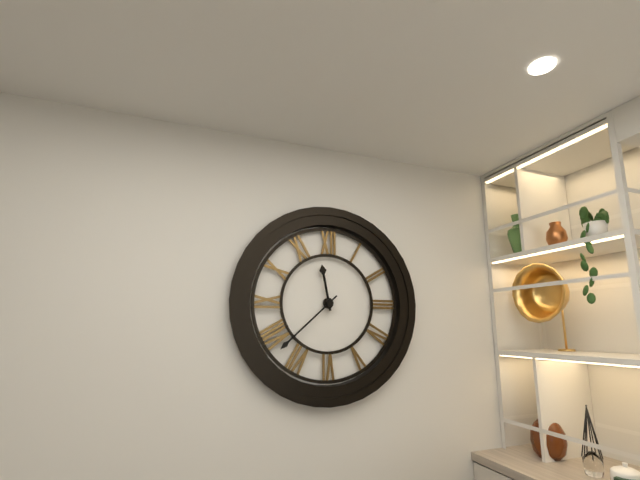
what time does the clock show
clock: 11:38
